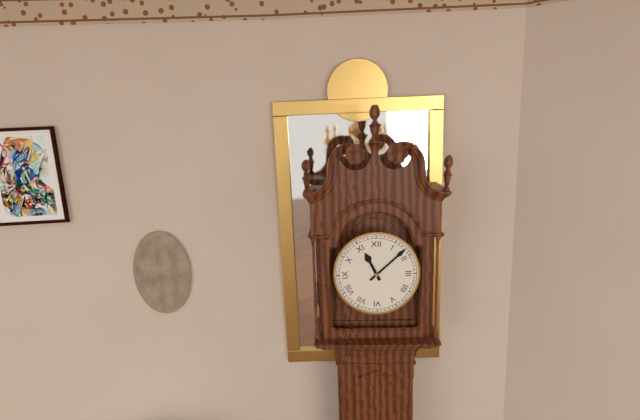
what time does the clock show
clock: 11:08
